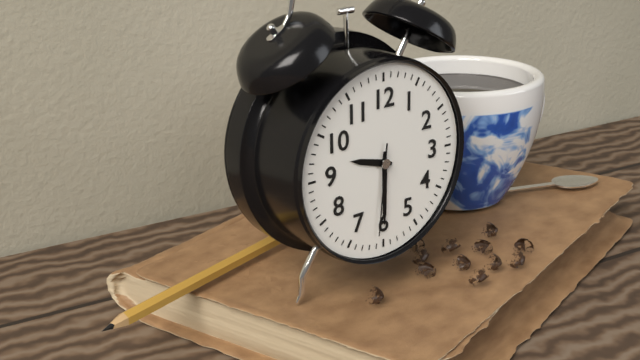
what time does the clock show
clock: 9:30:31
